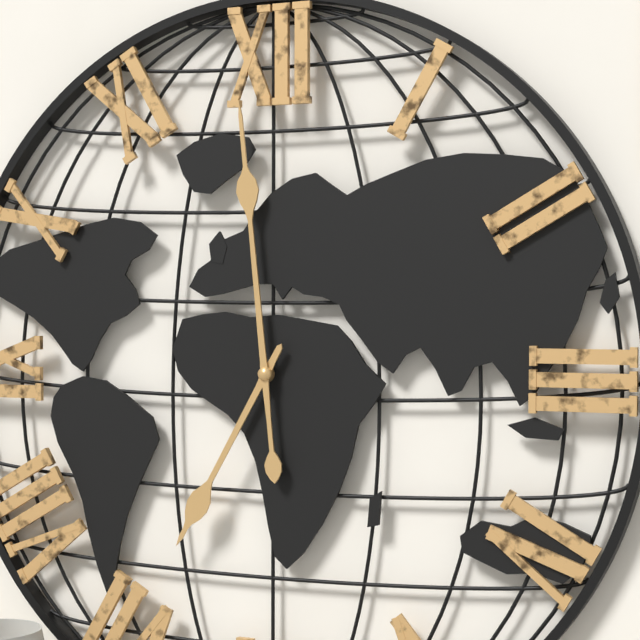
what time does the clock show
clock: 6:59
